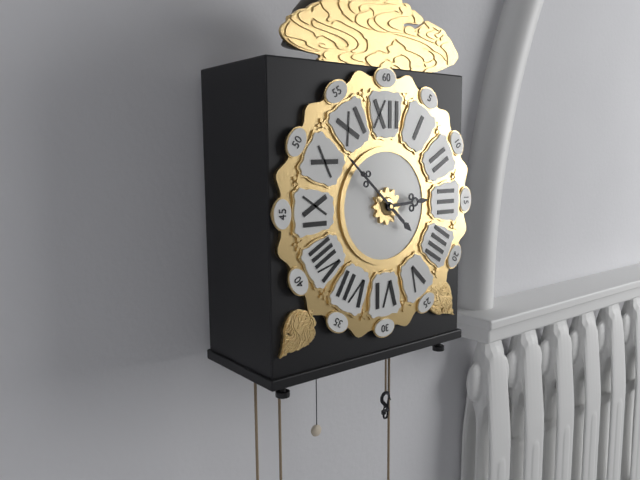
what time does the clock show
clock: 2:52
